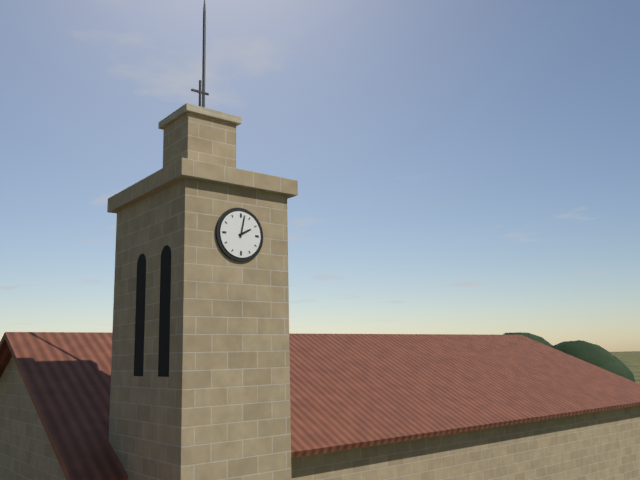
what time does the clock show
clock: 2:02
